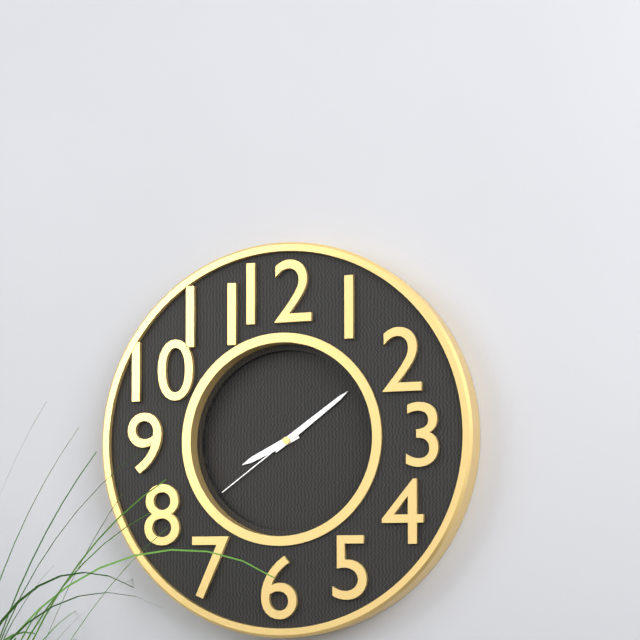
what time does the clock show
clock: 8:09:39
